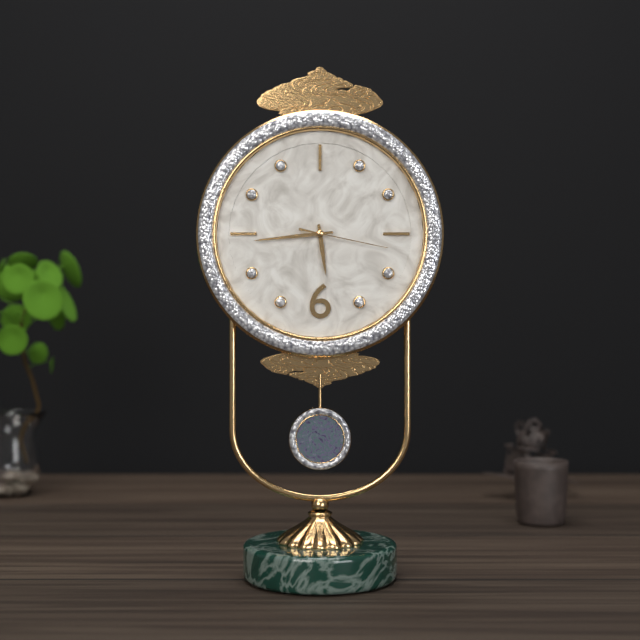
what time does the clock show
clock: 5:44:17
